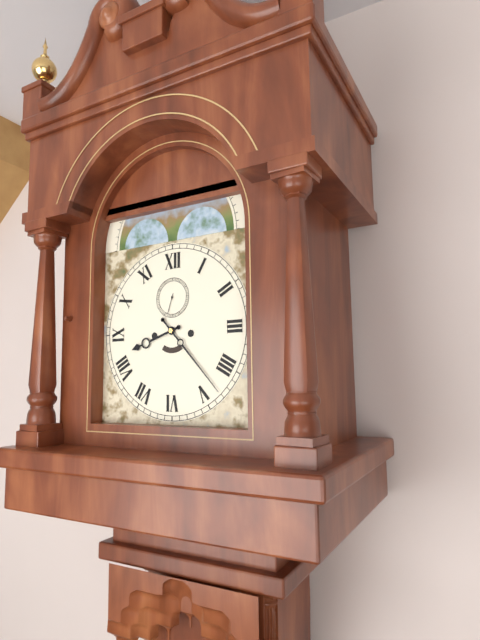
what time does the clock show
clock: 8:23
